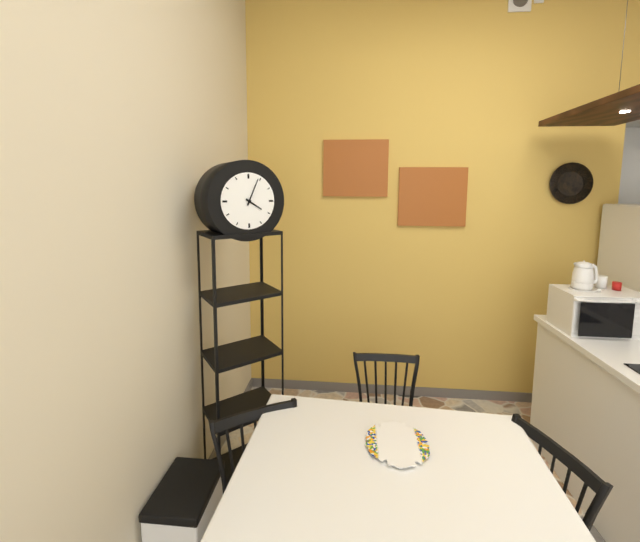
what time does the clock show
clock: 4:04
